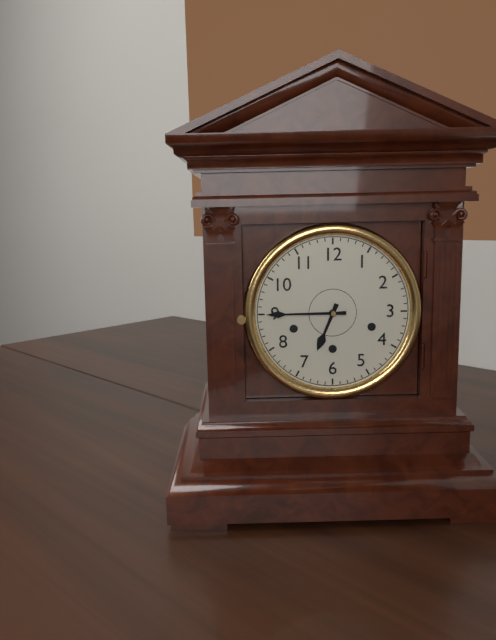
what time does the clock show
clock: 6:45
